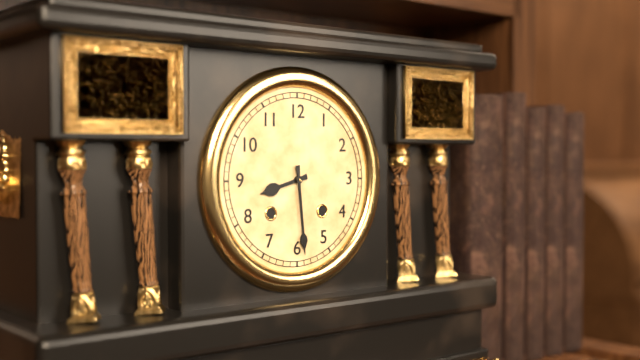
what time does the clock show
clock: 8:29
